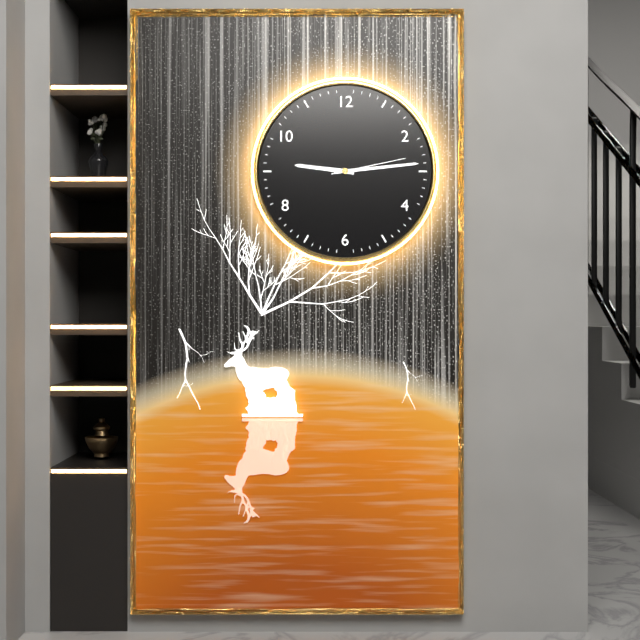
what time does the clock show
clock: 9:14:13
